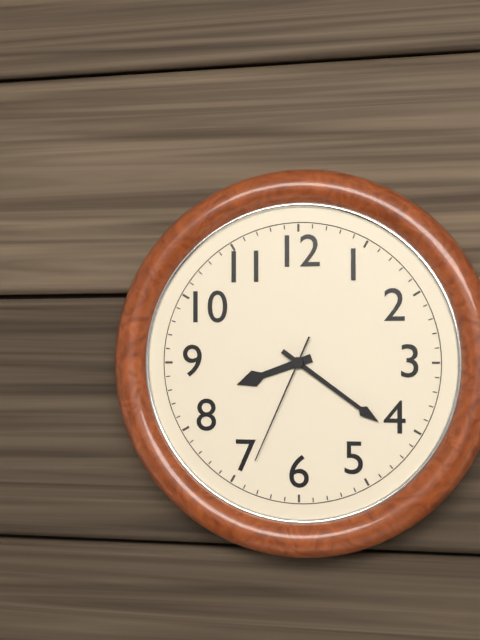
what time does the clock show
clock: 8:21:34
